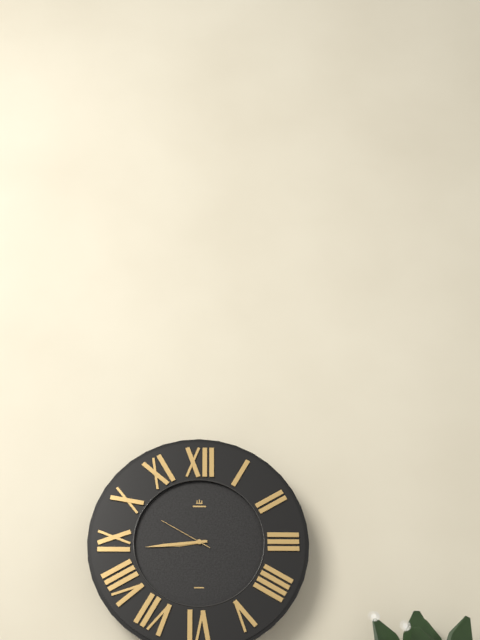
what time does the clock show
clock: 8:44:50
